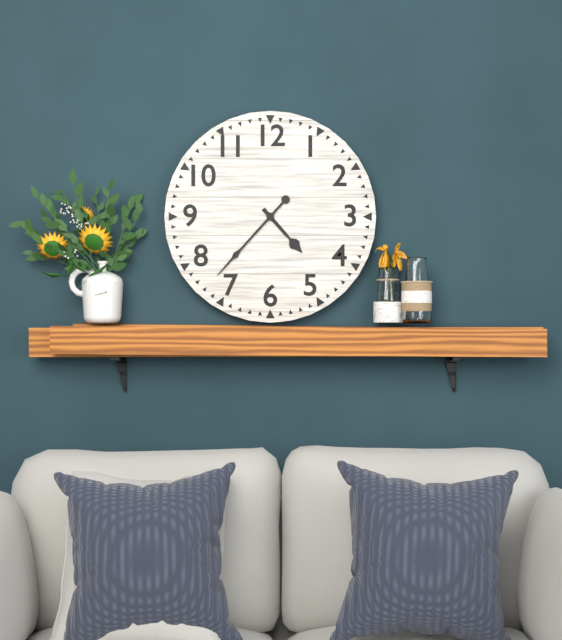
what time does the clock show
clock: 4:37
